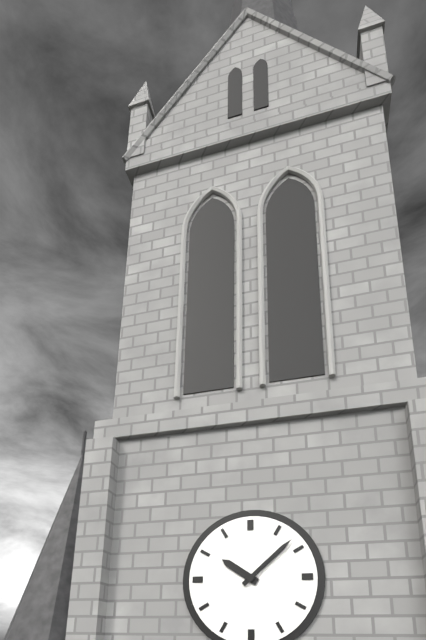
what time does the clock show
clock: 10:08
